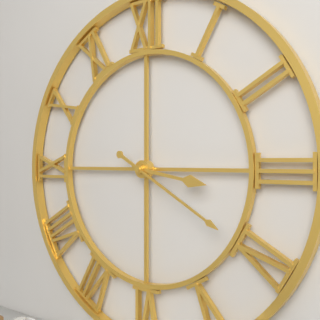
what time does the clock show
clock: 3:20
